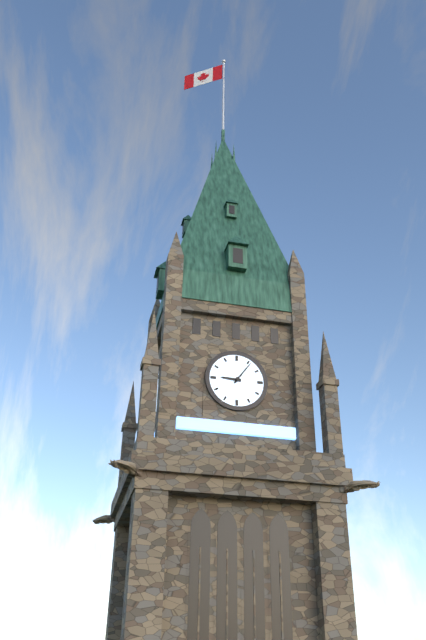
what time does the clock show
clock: 9:06
